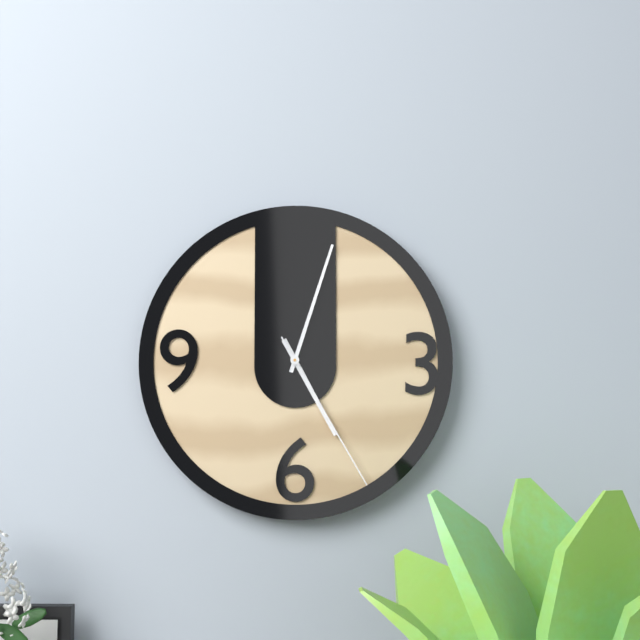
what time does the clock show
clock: 5:03:25
